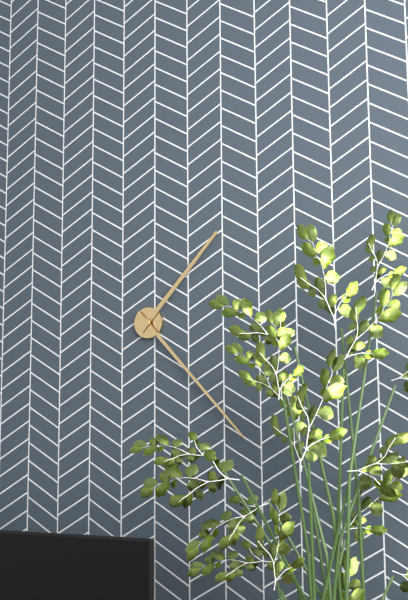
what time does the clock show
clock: 1:23
